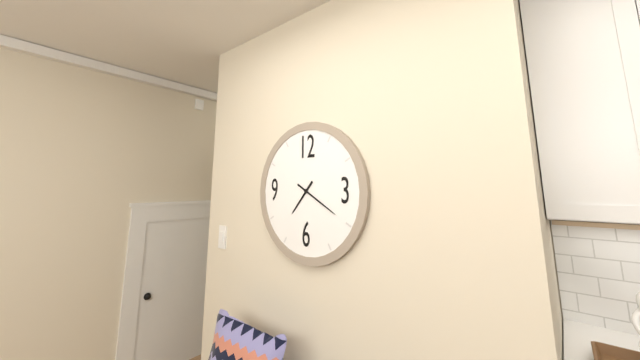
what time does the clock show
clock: 7:20
